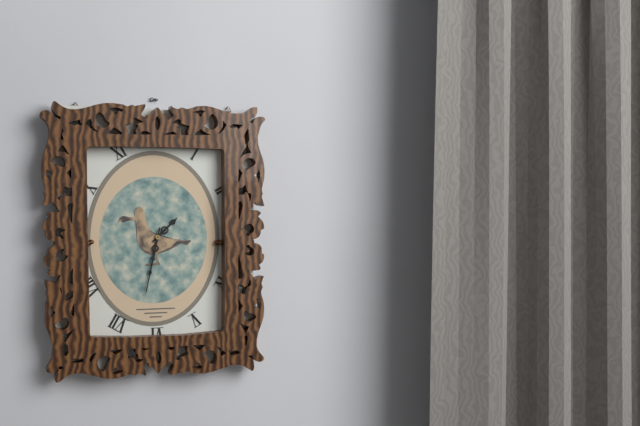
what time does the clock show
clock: 1:32
